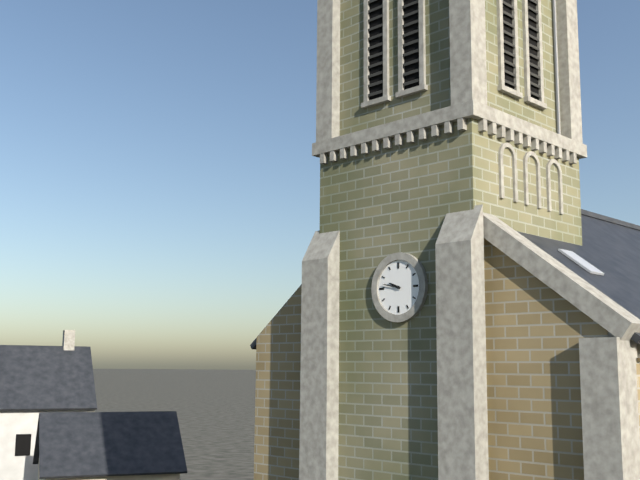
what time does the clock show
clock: 9:47
